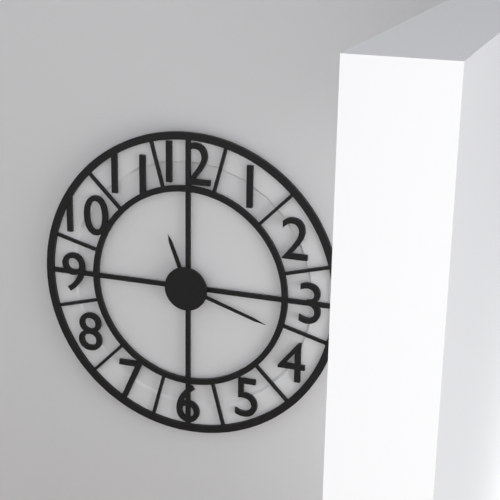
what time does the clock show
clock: 11:18
